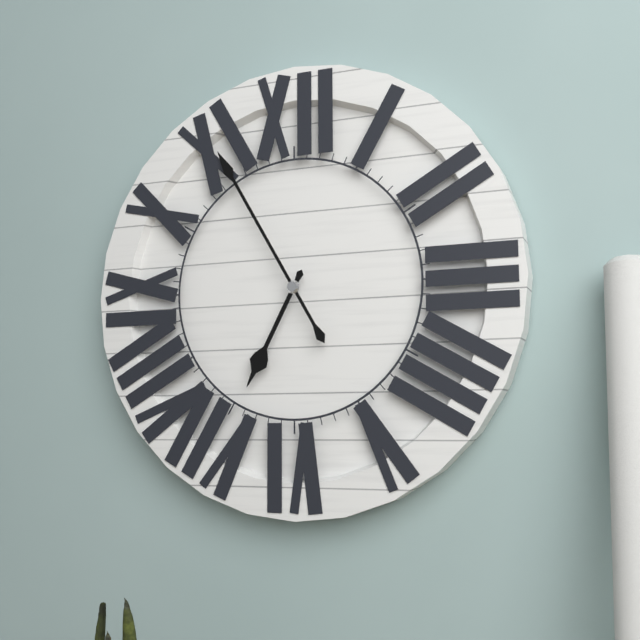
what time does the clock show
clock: 6:55
